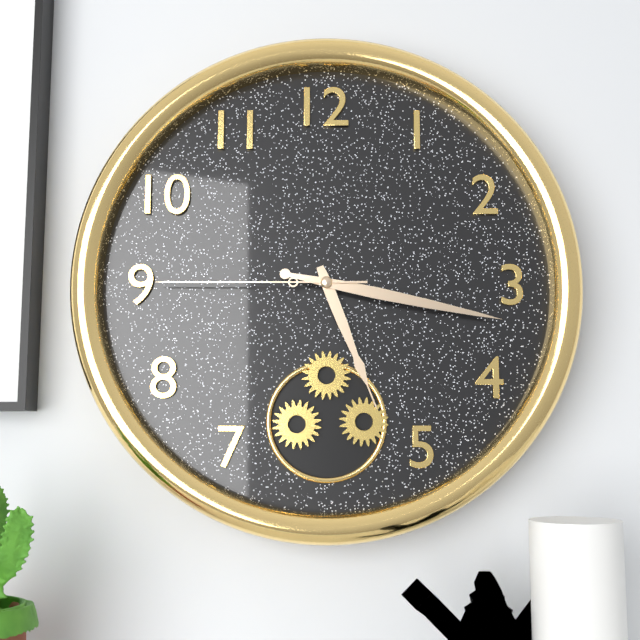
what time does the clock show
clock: 5:17:45
